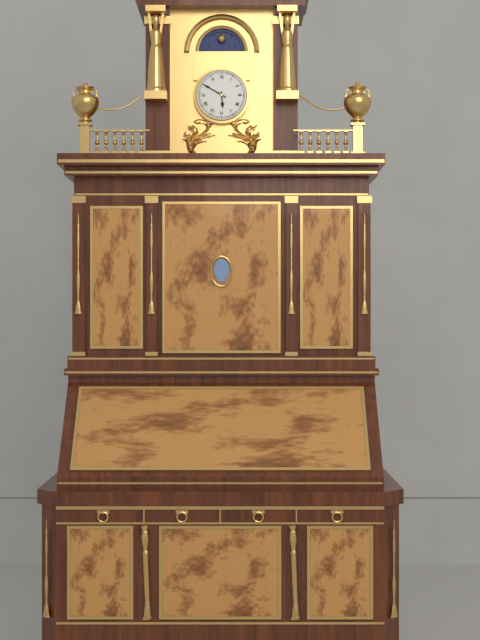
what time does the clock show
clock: 5:50
